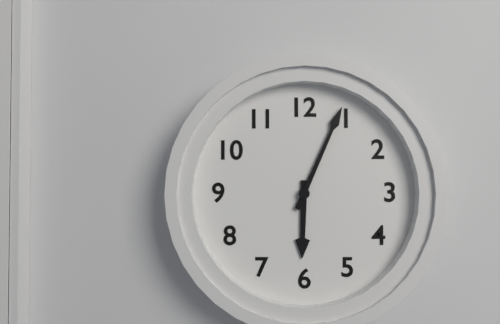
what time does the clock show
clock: 6:04
